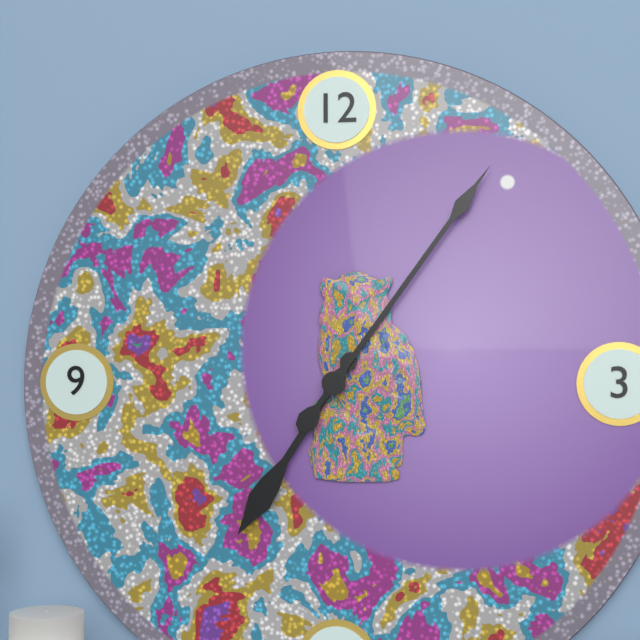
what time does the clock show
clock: 7:06
